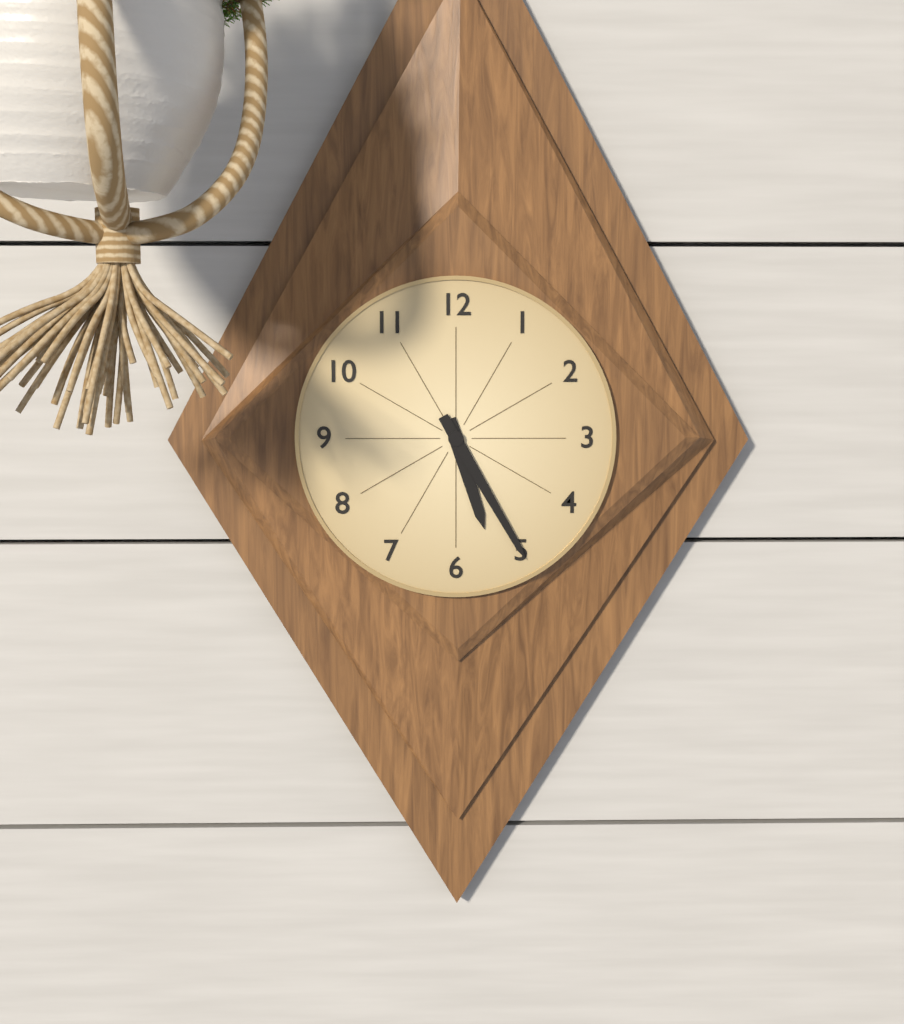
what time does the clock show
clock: 5:25
